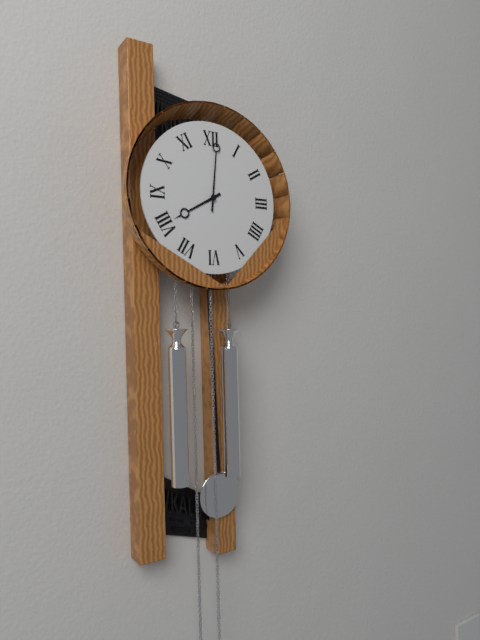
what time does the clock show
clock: 8:01
